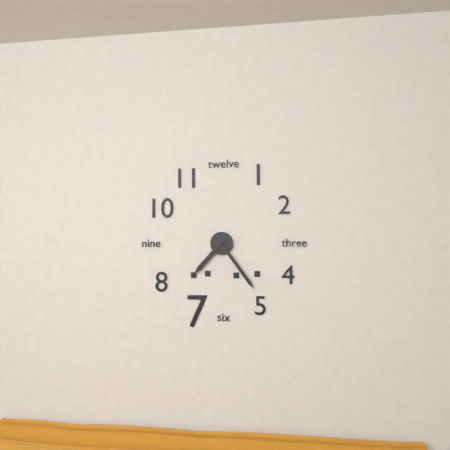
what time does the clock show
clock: 7:24
